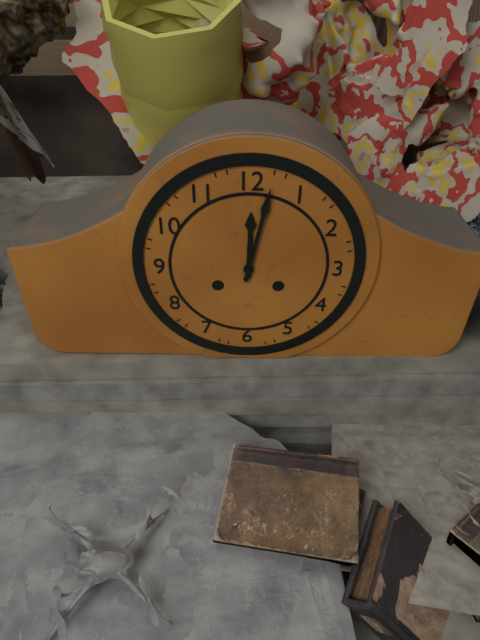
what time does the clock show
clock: 12:02
